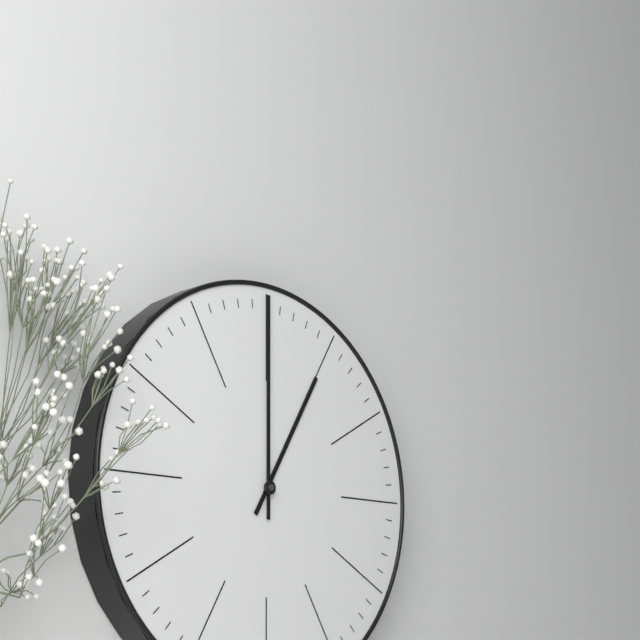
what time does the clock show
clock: 1:00
